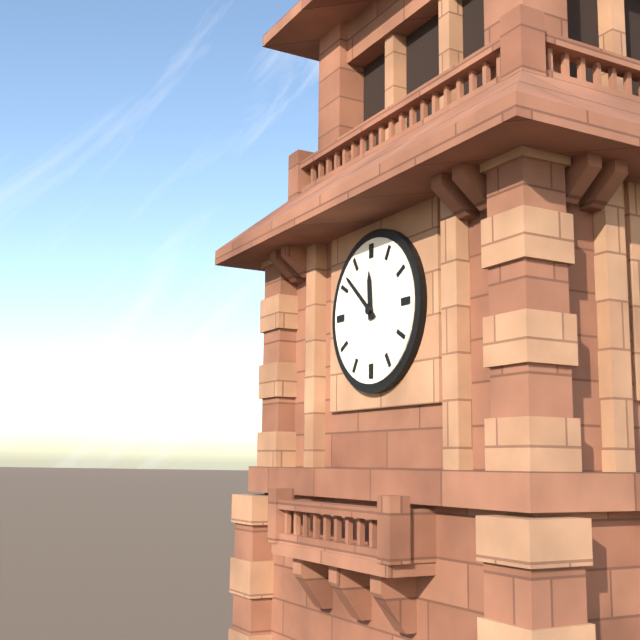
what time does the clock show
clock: 11:52
